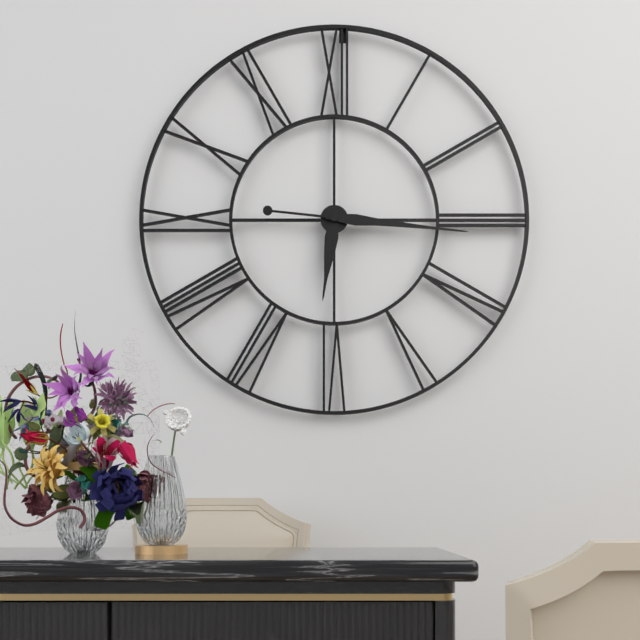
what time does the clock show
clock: 6:16
